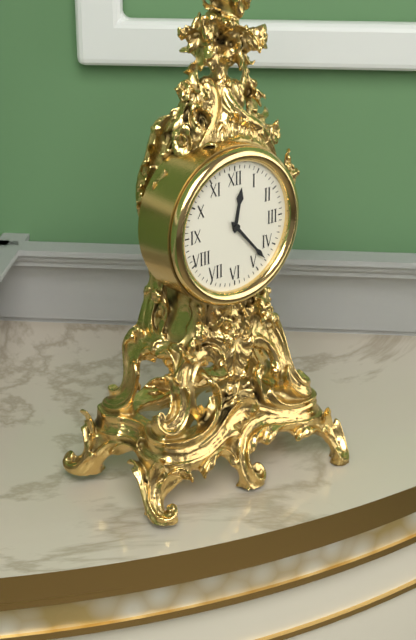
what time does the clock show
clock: 12:23
